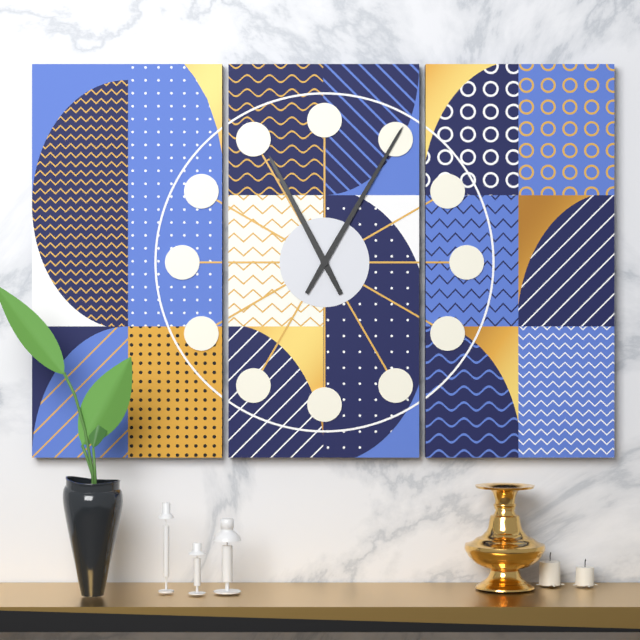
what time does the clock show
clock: 11:05
